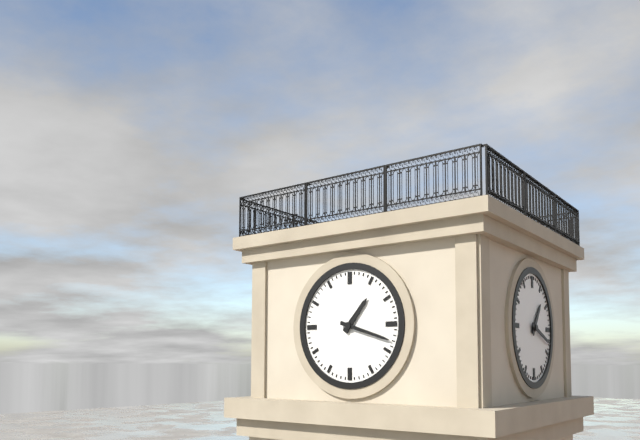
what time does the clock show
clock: 1:18
